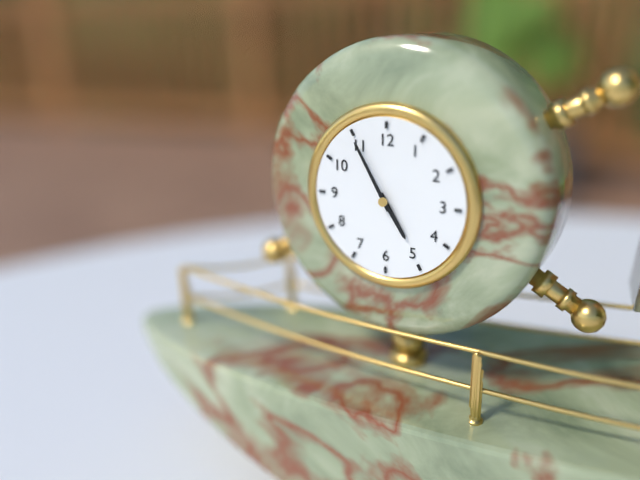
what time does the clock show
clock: 4:55
